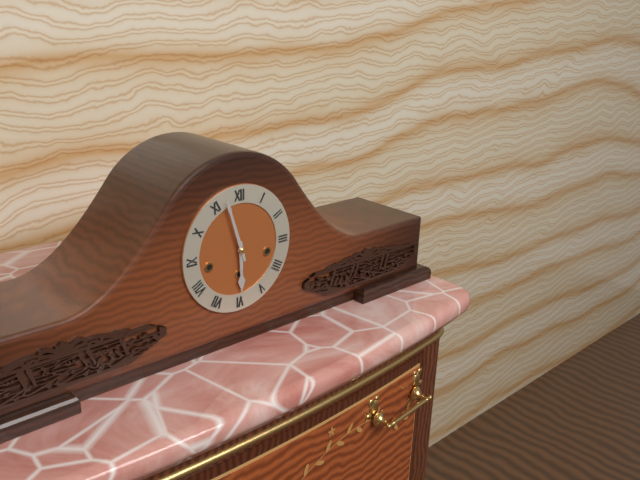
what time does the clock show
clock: 5:57
